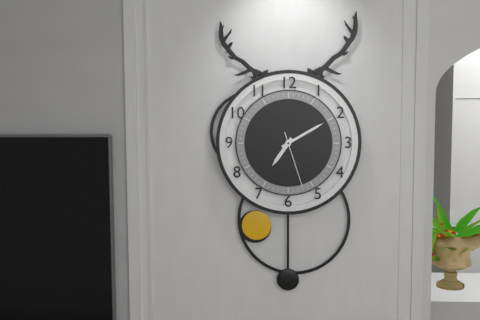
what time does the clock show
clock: 7:10:27
